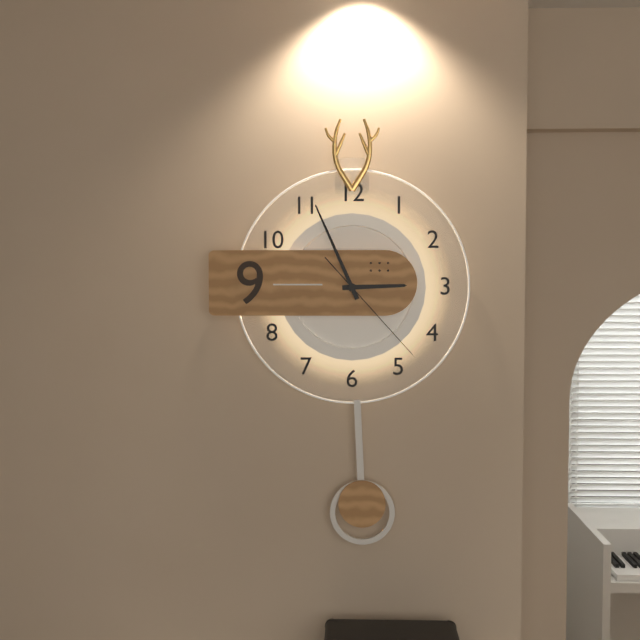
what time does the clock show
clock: 2:56:23
